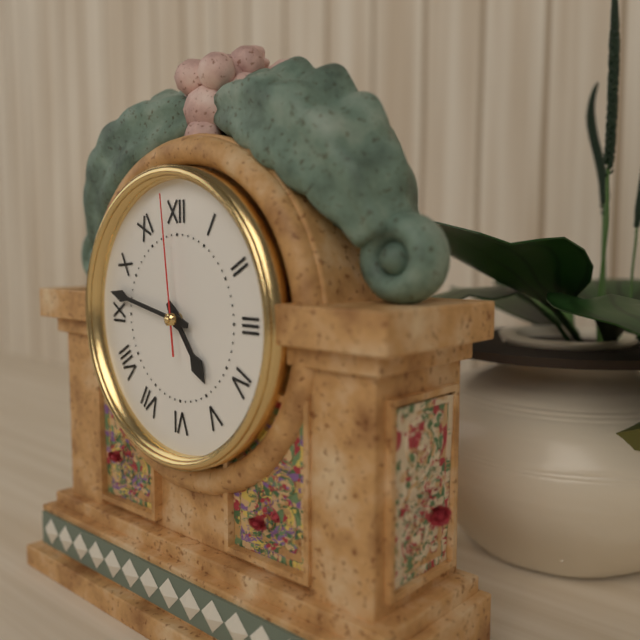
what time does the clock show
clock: 4:47:59
